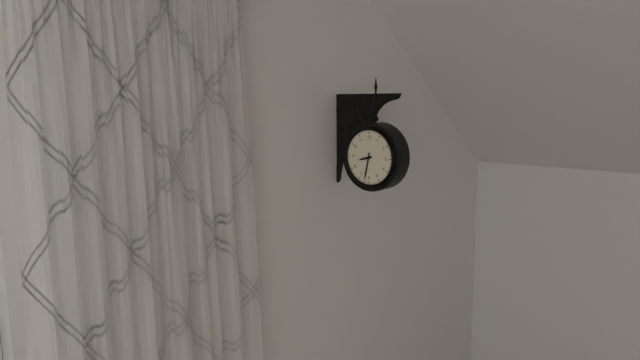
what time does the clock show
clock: 8:32
